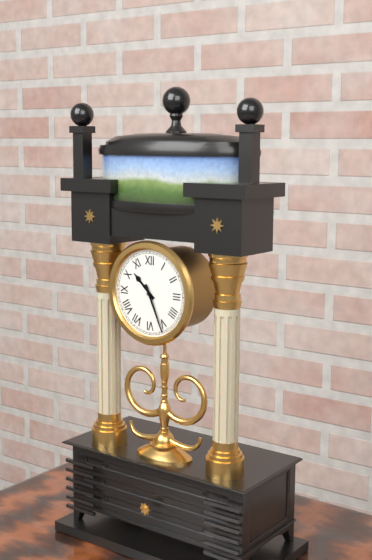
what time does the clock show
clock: 10:26
